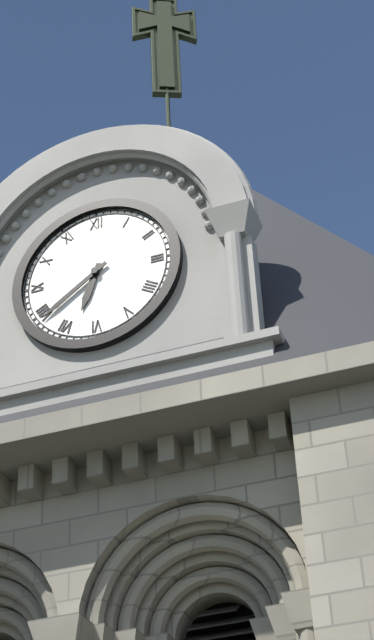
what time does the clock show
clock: 6:39
